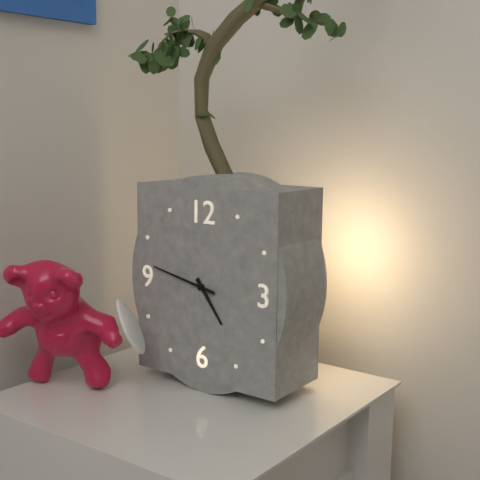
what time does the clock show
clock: 4:47
